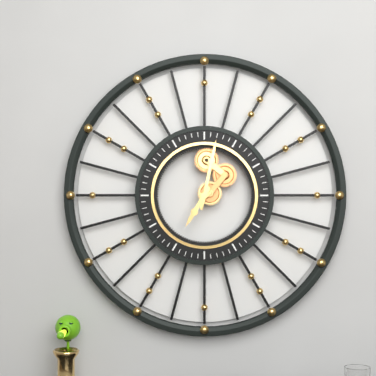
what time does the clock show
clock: 7:02
